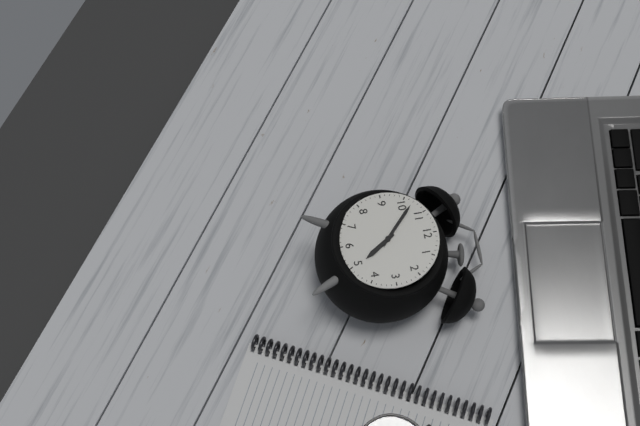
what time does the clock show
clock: 4:52
